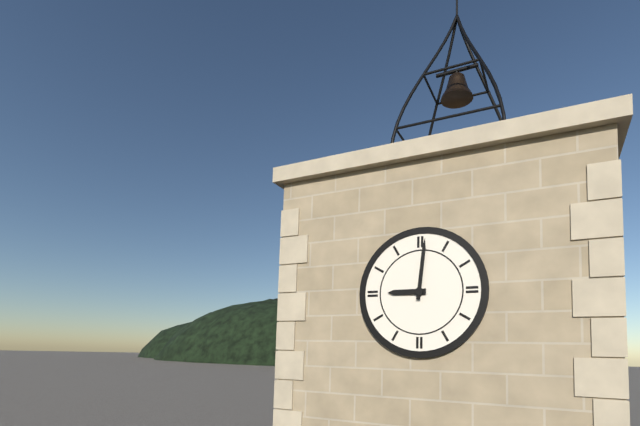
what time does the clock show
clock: 9:01
